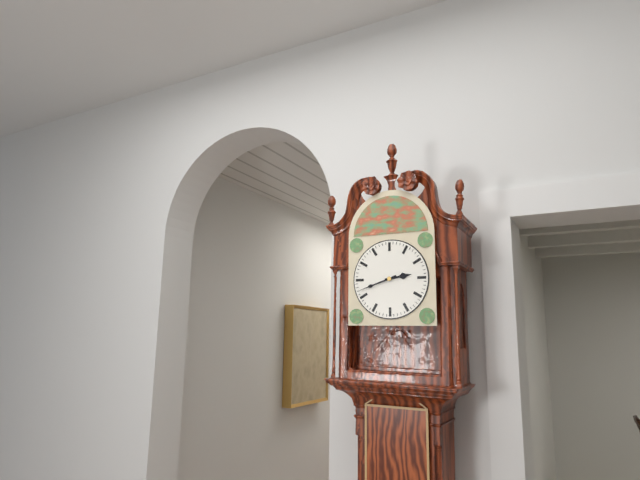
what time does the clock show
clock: 2:42
